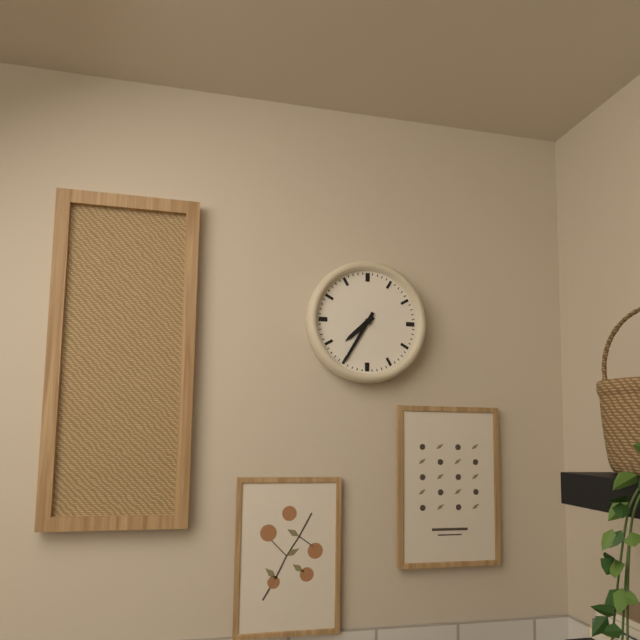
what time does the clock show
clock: 7:35
